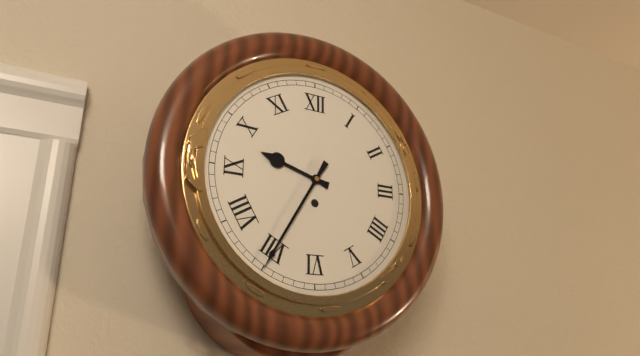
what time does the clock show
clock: 9:35
